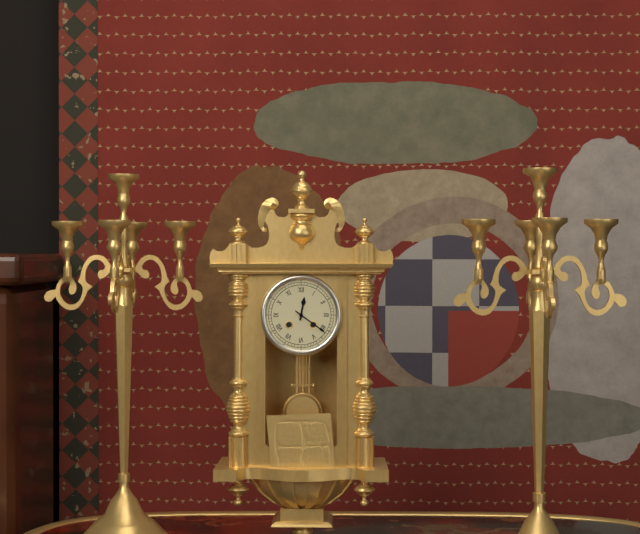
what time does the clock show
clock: 12:21
